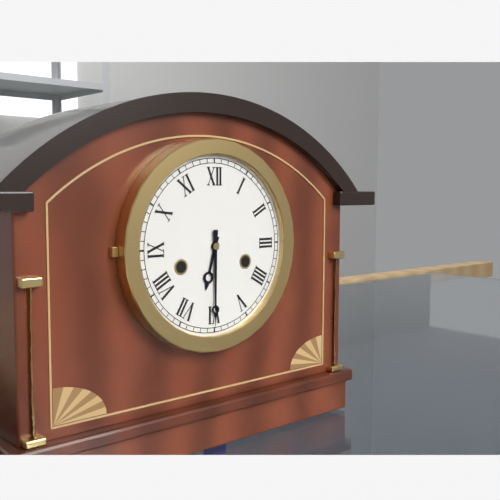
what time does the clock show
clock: 6:30
